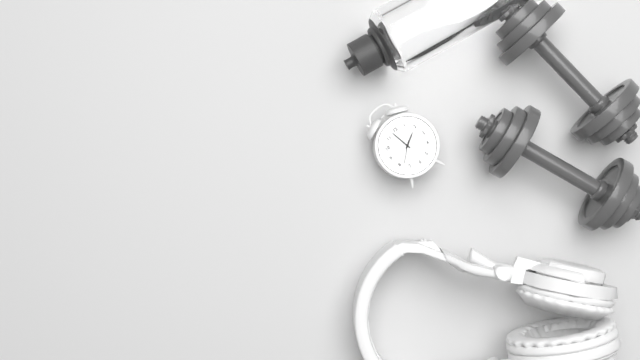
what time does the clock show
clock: 1:58
